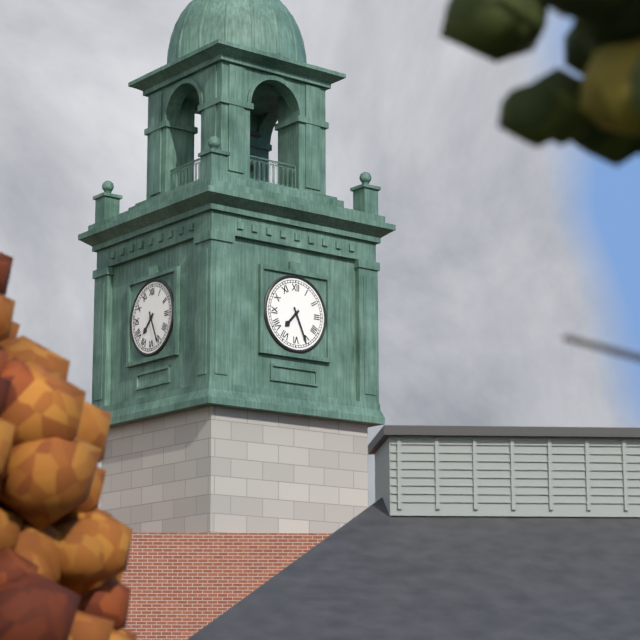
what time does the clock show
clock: 7:26
